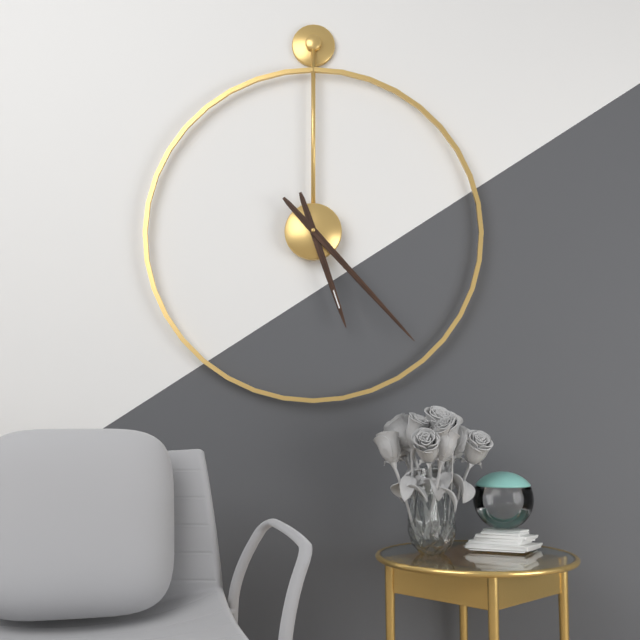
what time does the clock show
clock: 5:23
